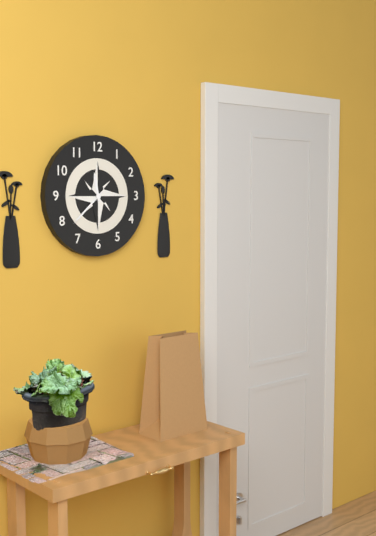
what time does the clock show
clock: 11:38
